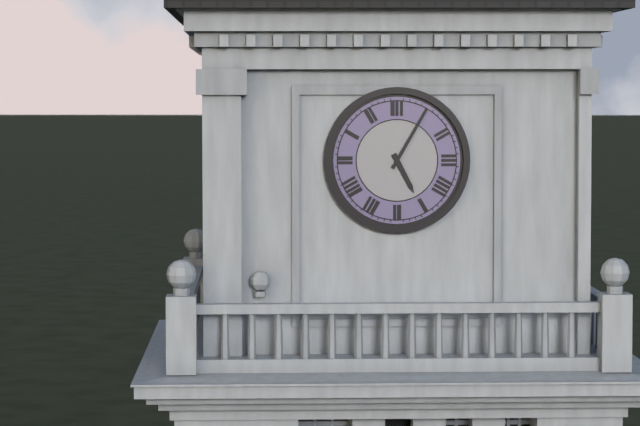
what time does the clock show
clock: 5:05
